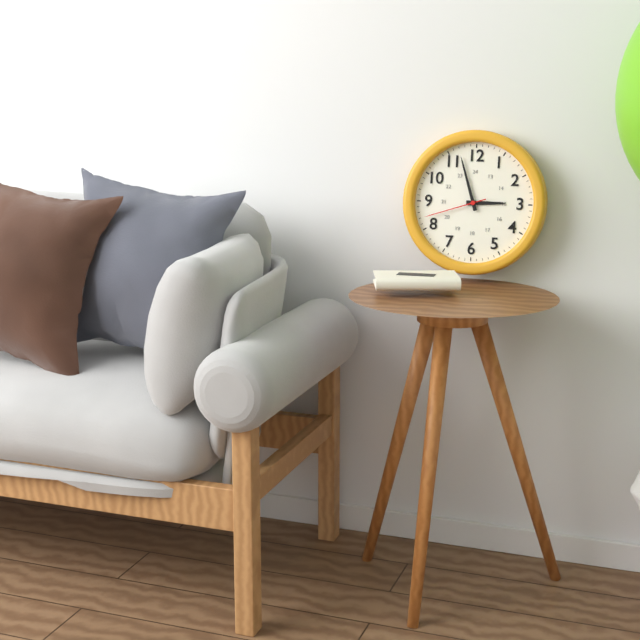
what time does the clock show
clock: 2:57:42
